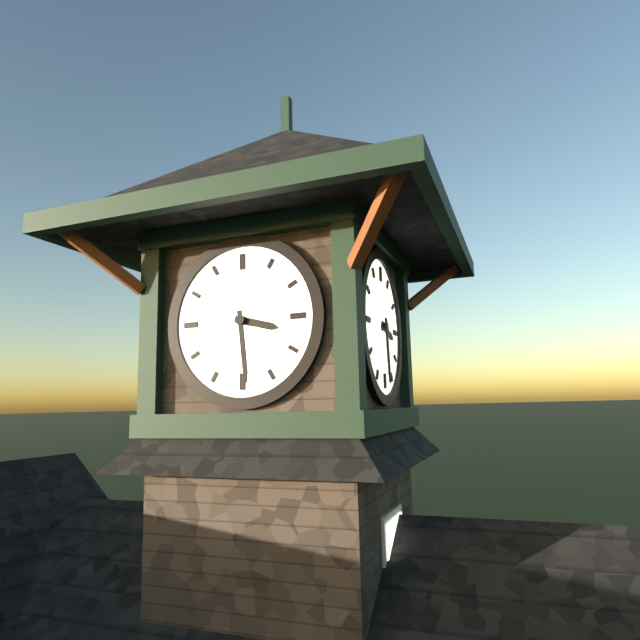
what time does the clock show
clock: 3:29
